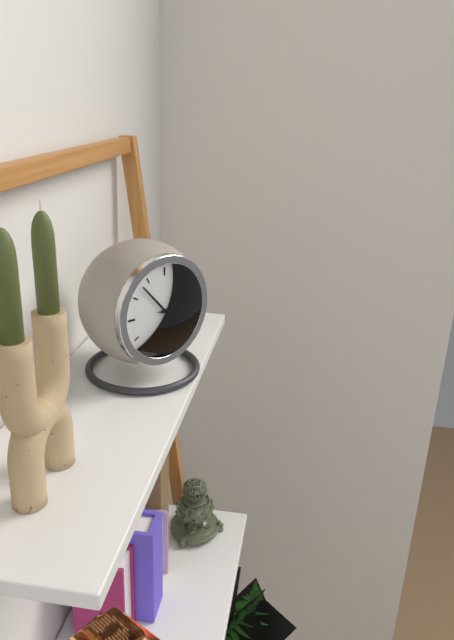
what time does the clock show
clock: 2:53
